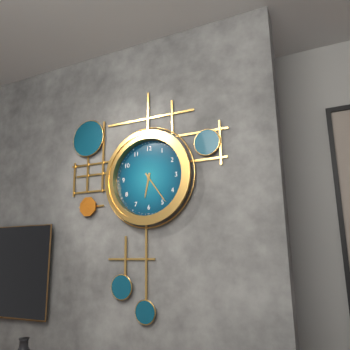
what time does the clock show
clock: 6:24
